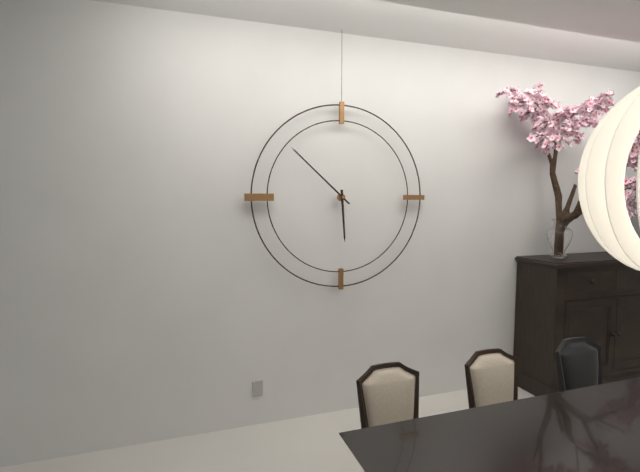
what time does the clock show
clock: 5:52
